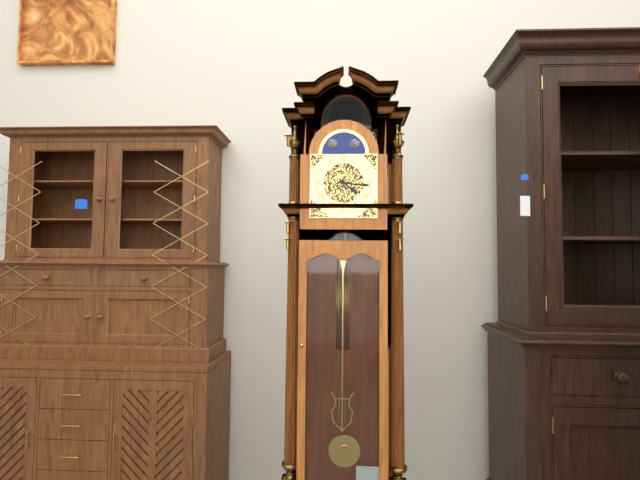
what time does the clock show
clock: 4:16
